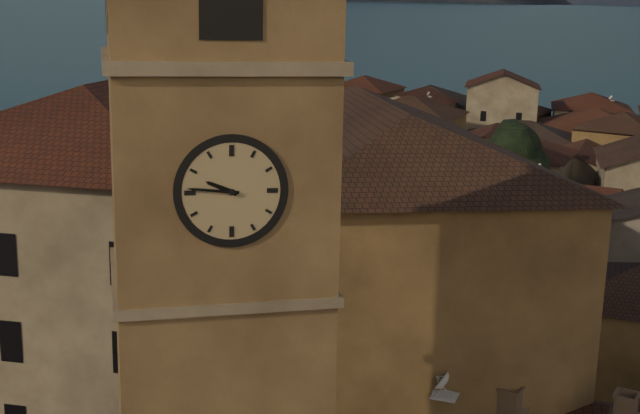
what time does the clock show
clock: 9:46
